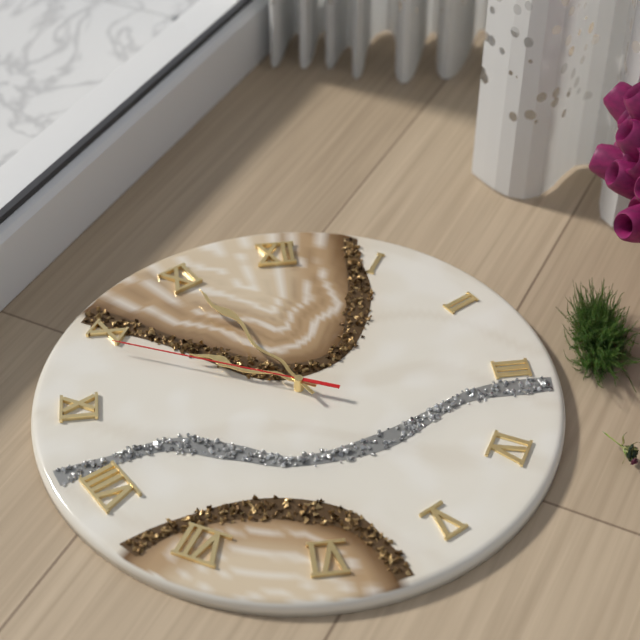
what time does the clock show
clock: 9:55:49
